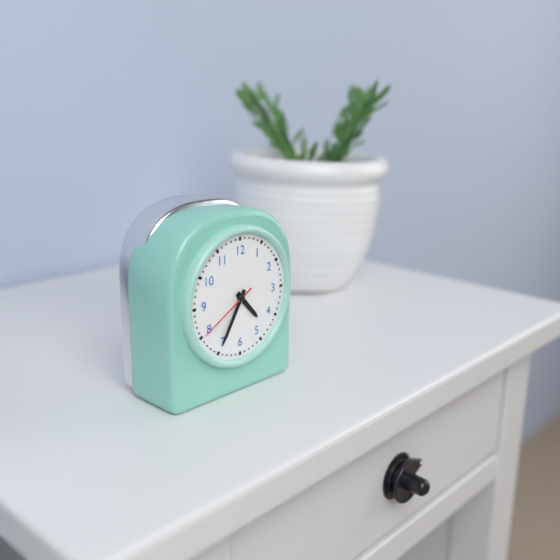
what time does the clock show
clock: 4:35:40
